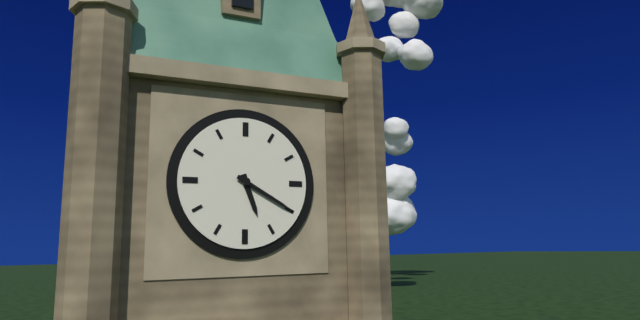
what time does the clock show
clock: 5:20
